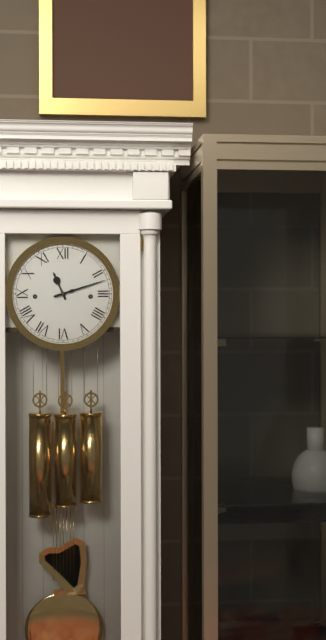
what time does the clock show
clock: 11:12
